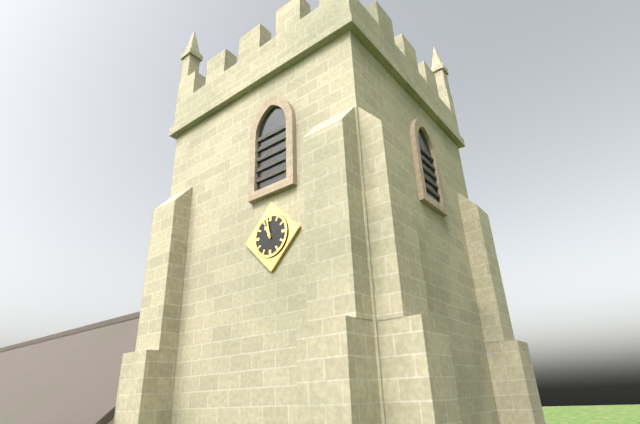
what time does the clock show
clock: 10:58
